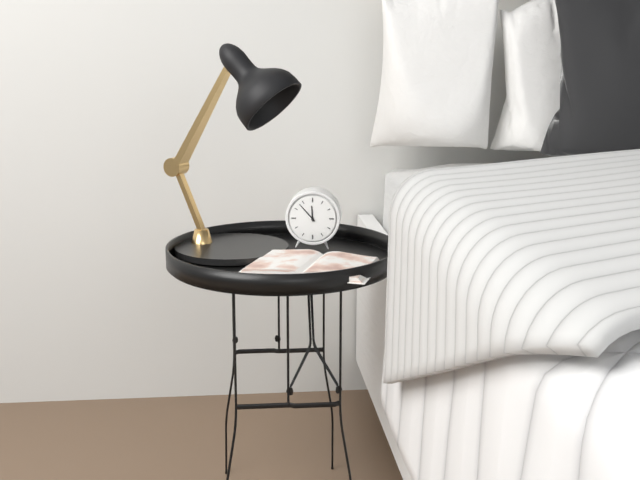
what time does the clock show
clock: 11:53
